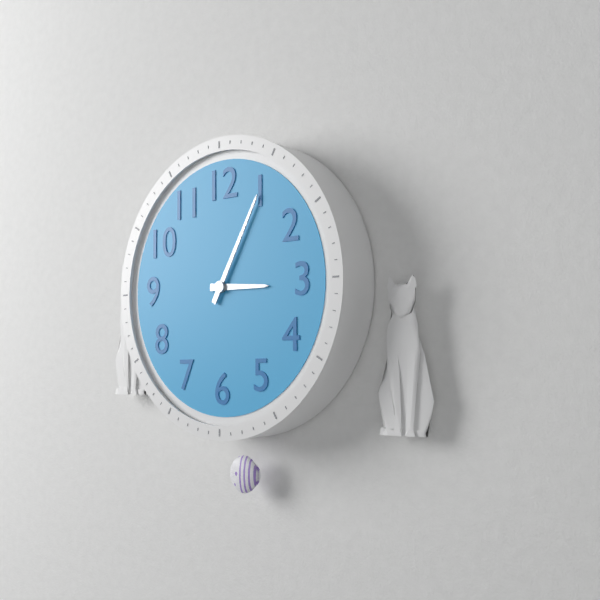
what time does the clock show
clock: 3:05
